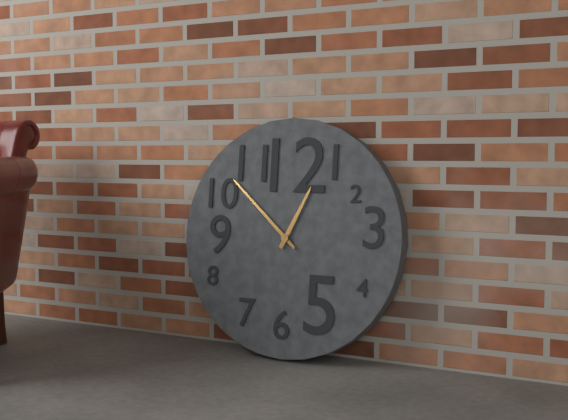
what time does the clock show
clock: 12:52
